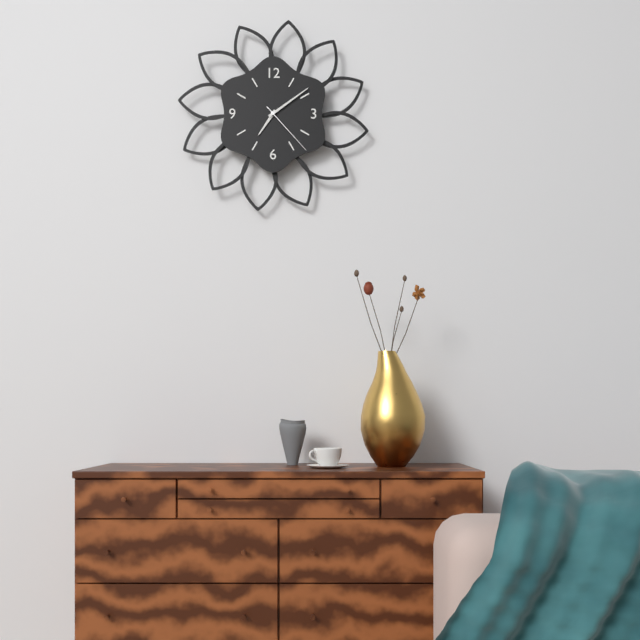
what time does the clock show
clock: 7:09:23
